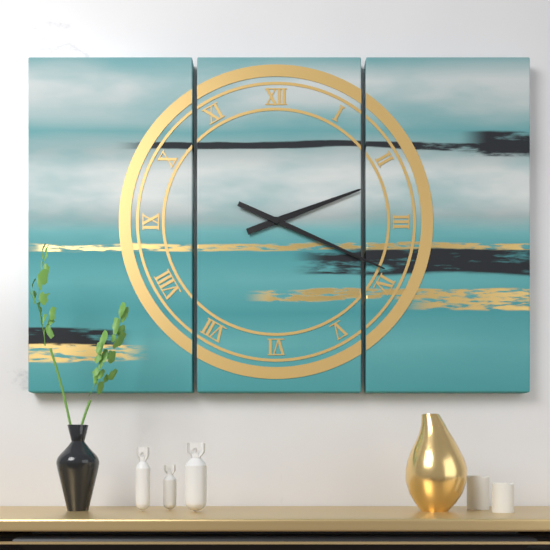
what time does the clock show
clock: 2:19
